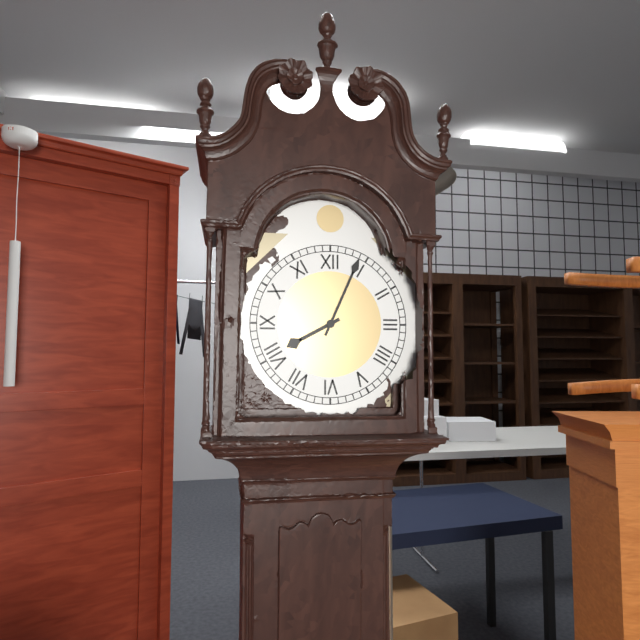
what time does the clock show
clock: 8:04
